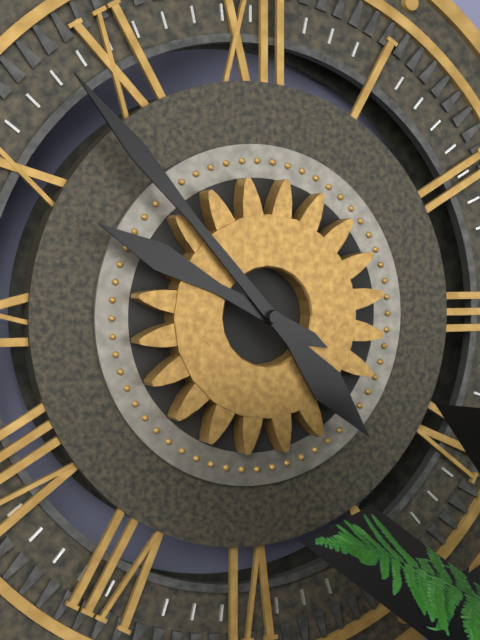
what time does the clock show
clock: 9:53
